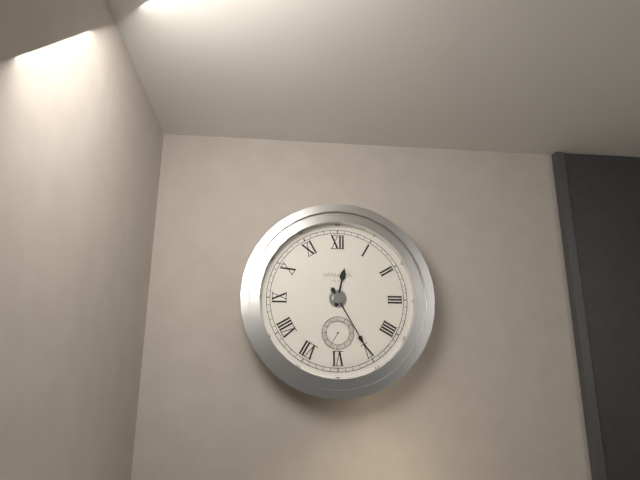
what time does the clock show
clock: 12:25
